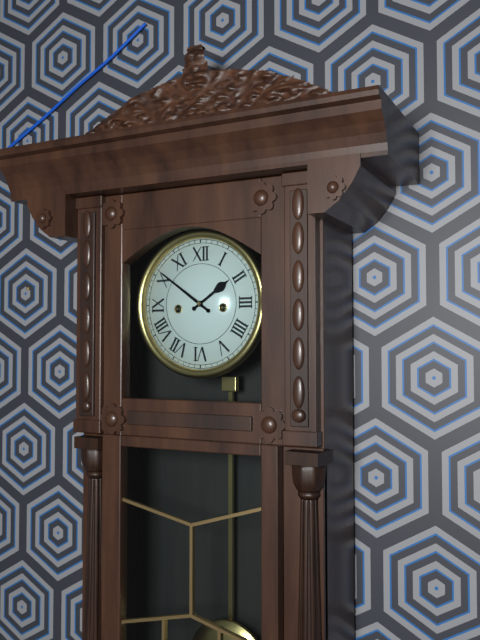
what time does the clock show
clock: 1:51
